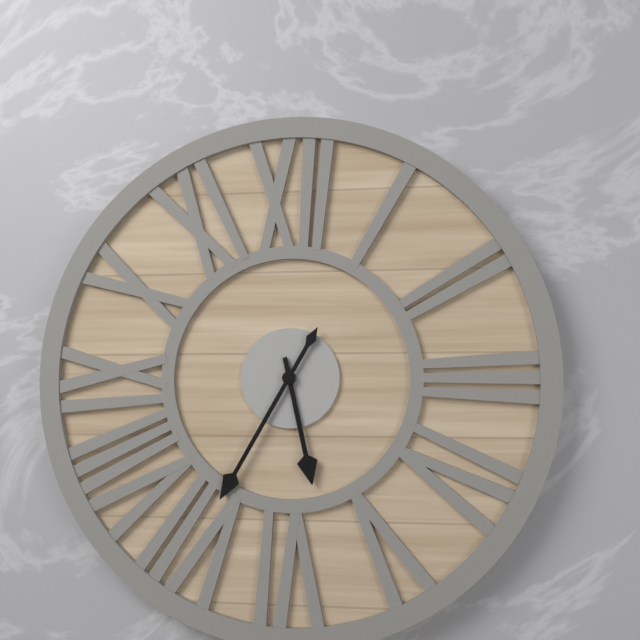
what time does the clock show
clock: 5:35
